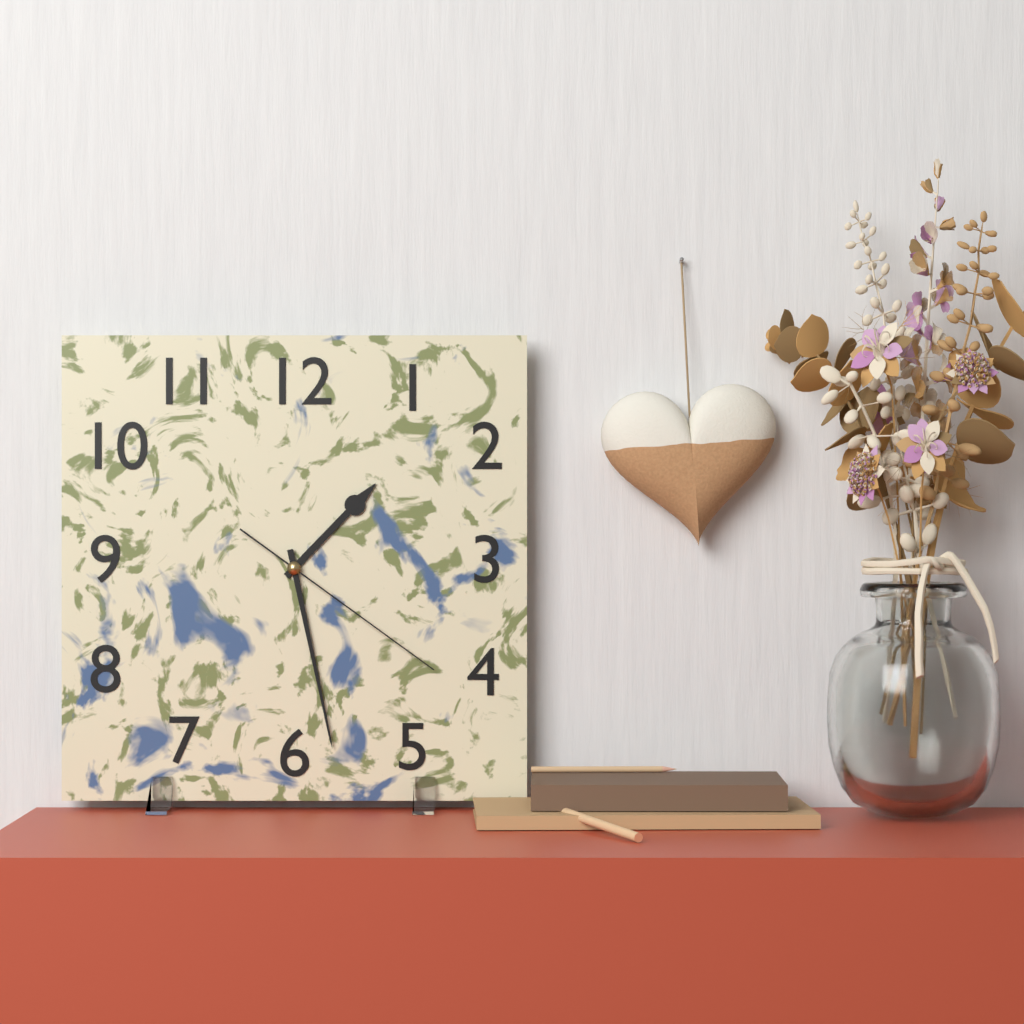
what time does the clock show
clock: 1:28:21
